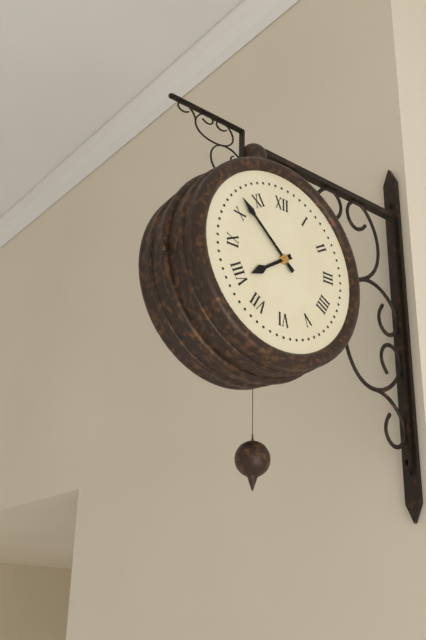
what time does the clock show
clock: 7:52
